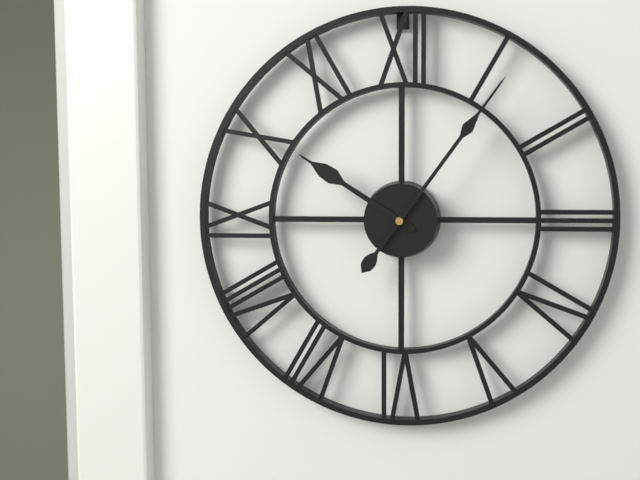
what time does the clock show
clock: 10:06
